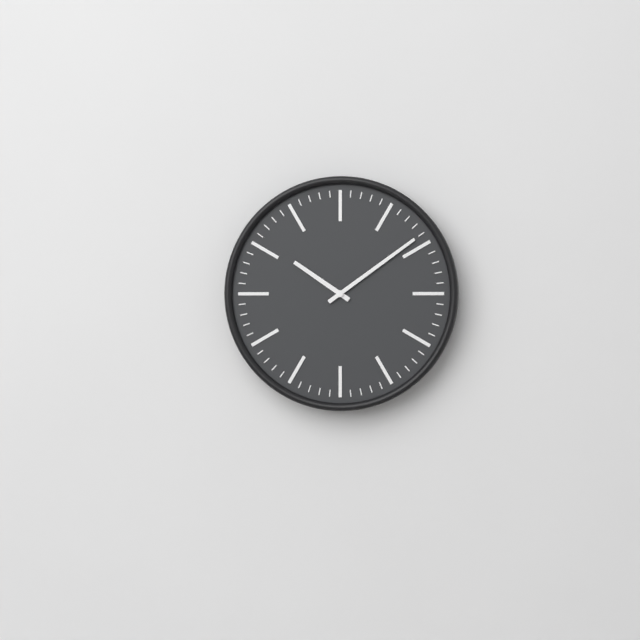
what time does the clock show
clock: 10:09
